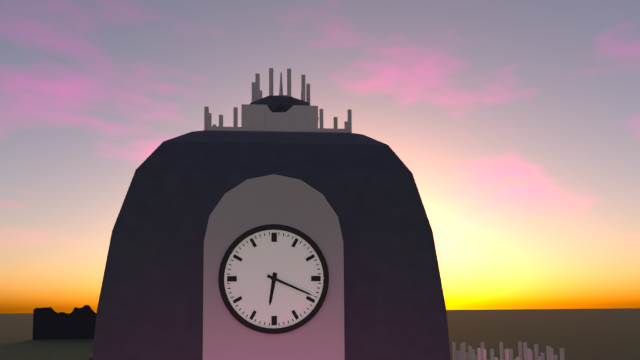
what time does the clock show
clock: 6:19
